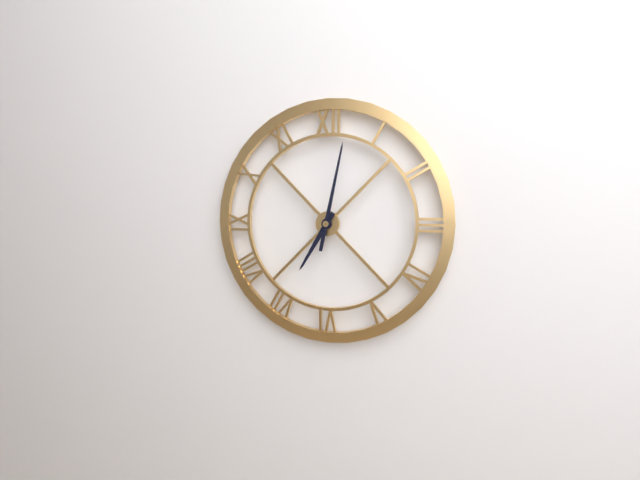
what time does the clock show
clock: 7:02
